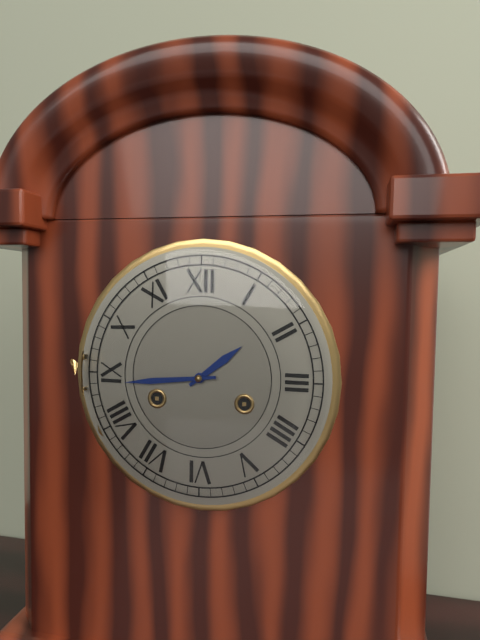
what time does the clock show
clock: 1:44
